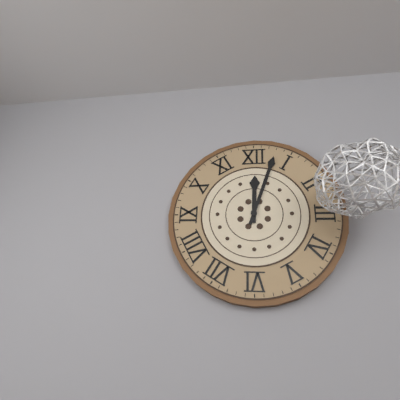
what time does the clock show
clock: 12:03
